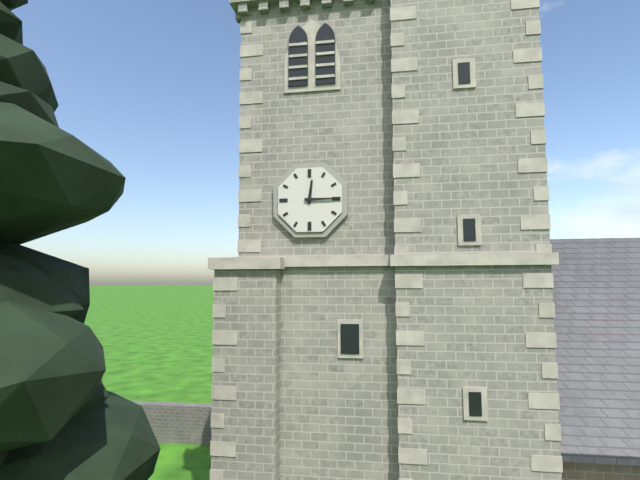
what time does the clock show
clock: 12:15
